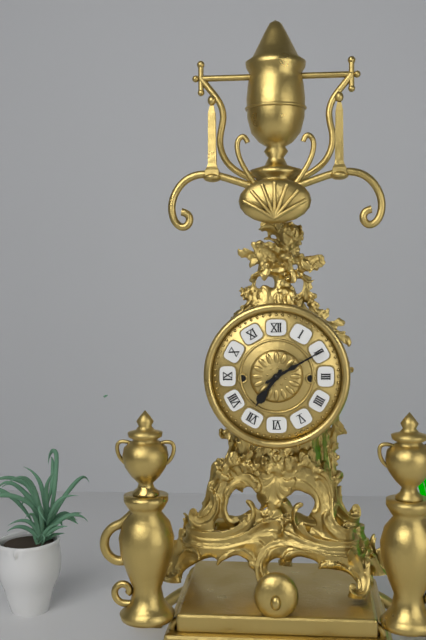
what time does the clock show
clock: 7:10
